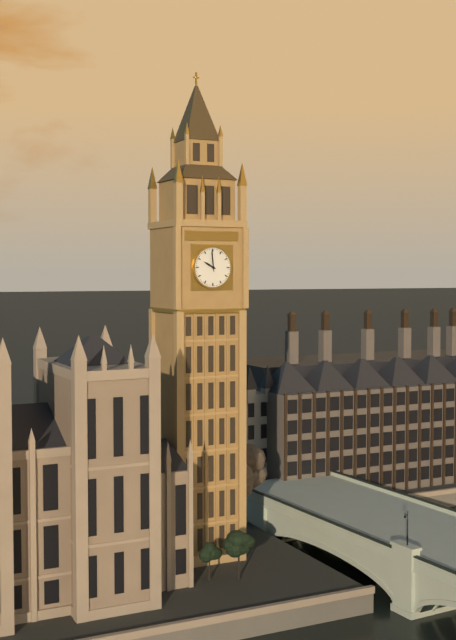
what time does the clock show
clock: 9:59
